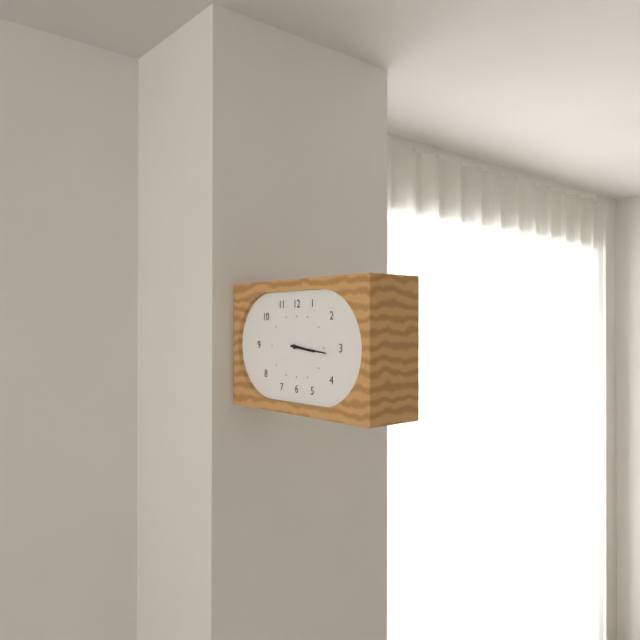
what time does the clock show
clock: 3:16
